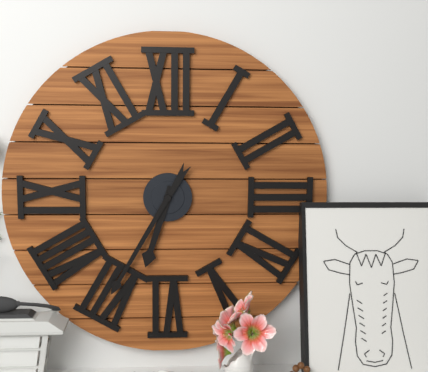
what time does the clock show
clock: 6:35
